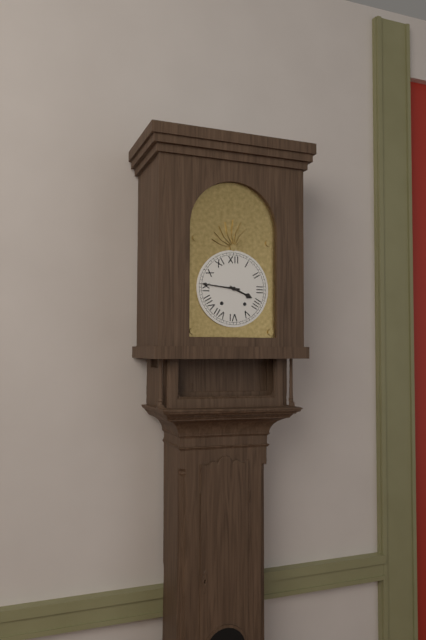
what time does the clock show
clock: 3:46
